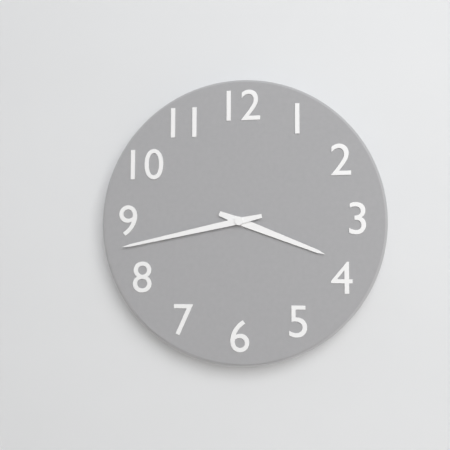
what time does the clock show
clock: 3:43
